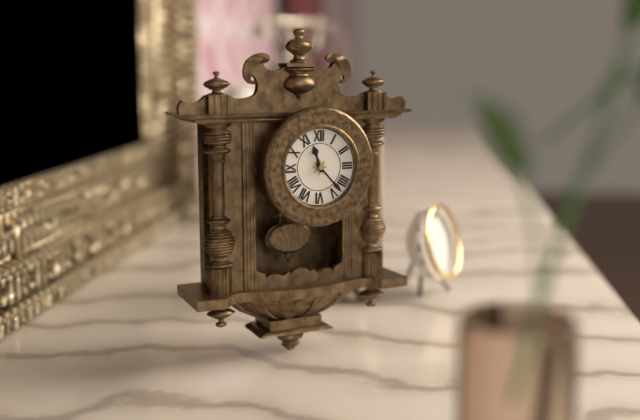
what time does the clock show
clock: 11:23
